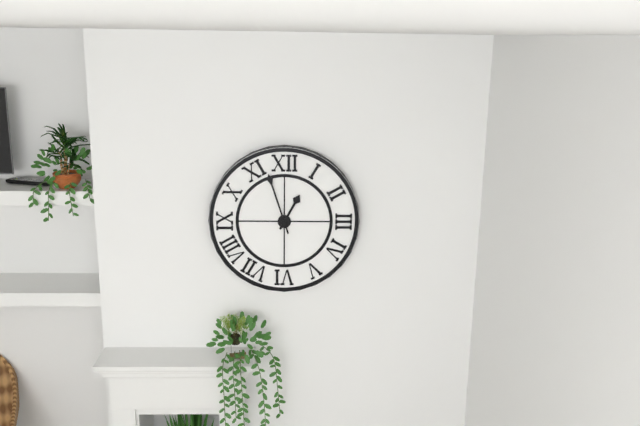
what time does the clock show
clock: 12:57
